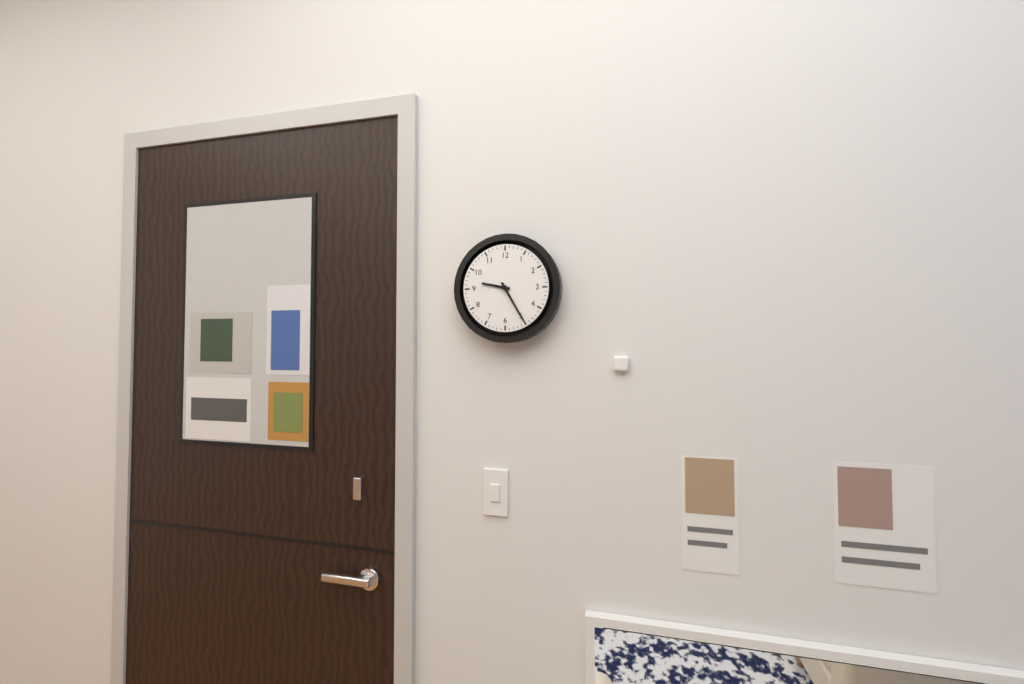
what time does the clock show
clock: 9:25
